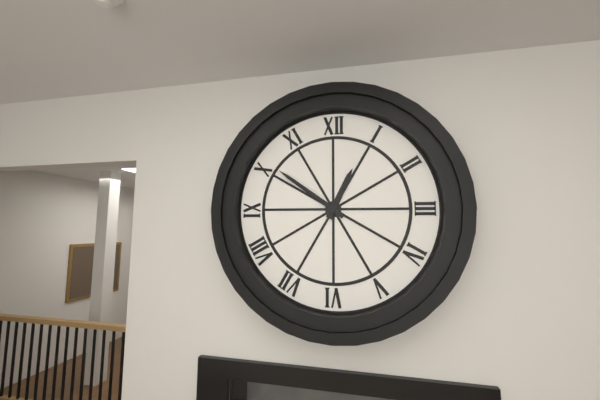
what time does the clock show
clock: 12:51
